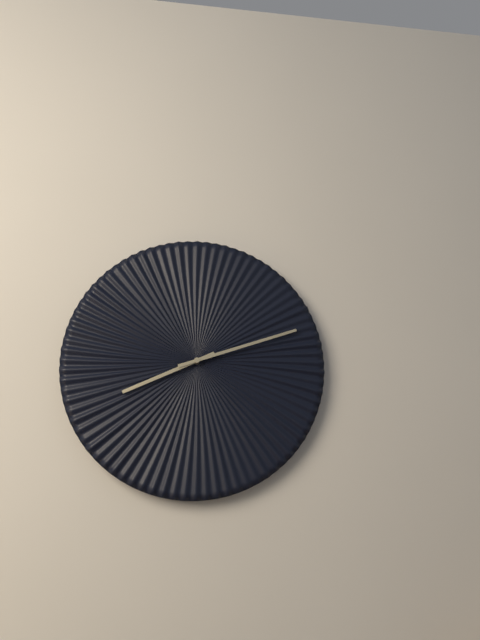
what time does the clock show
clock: 8:12
